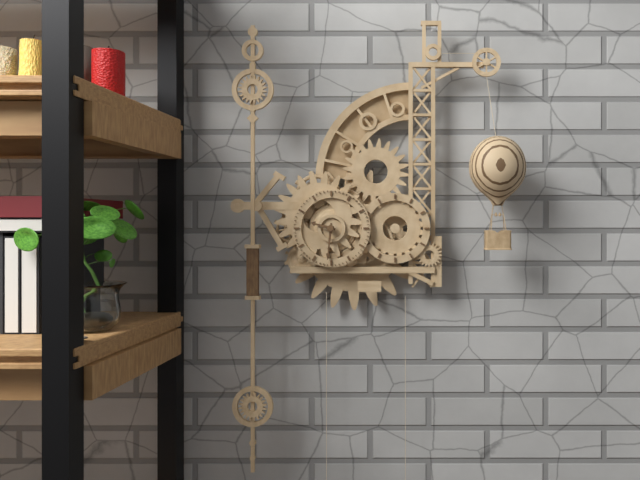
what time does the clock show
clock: 9:31
